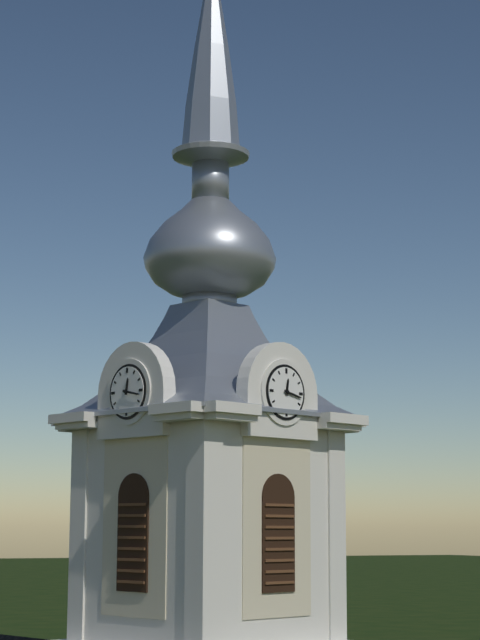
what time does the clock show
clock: 12:17
